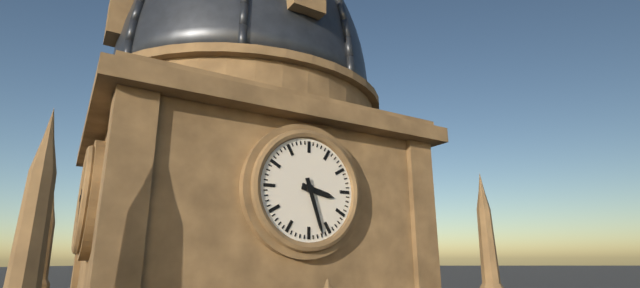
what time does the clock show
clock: 3:27
